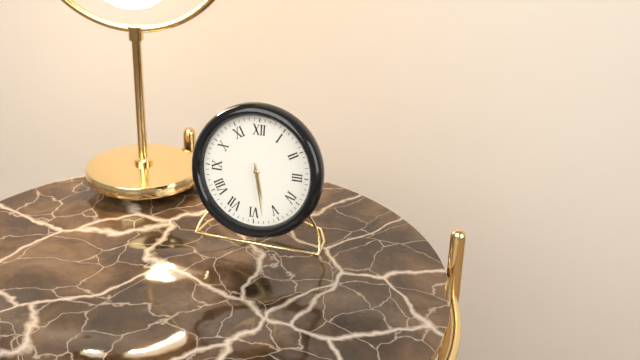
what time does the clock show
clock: 5:28
